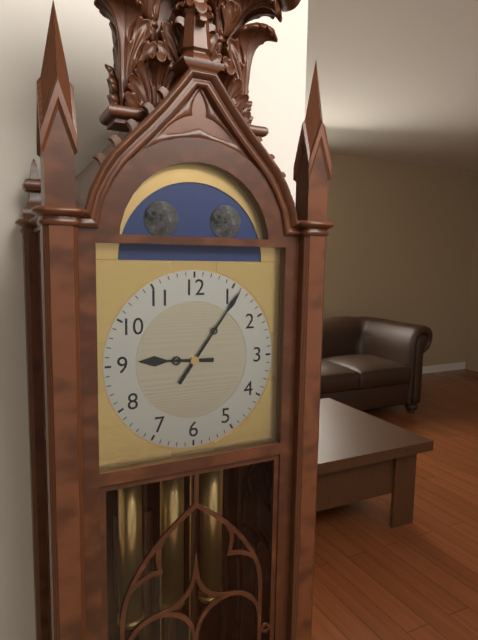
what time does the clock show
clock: 9:06
